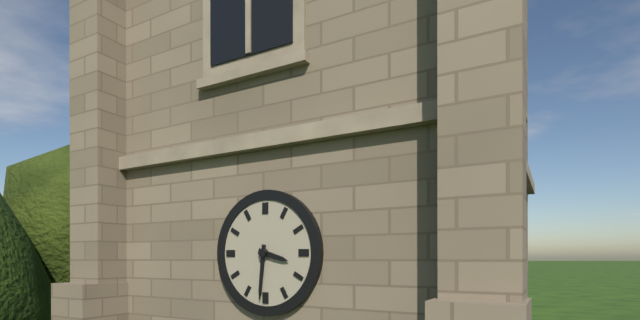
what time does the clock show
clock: 3:31
